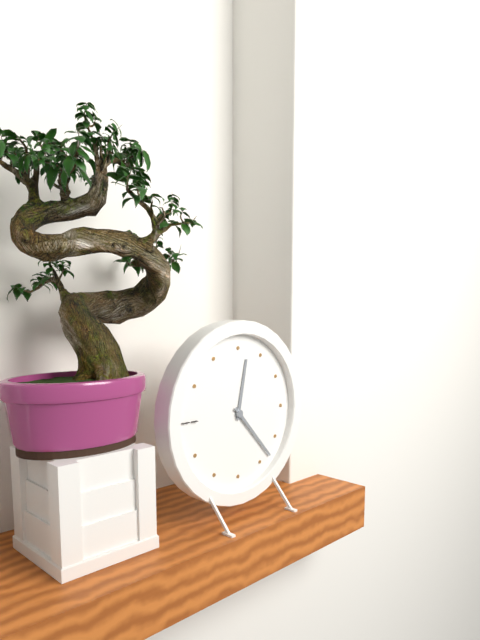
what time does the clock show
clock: 12:23
